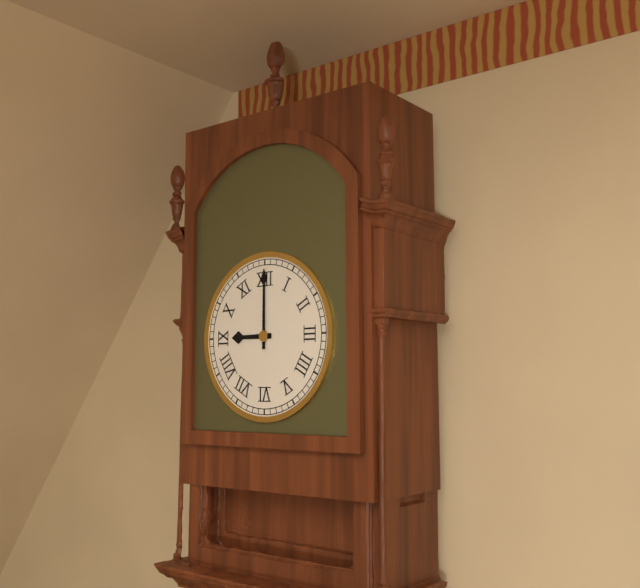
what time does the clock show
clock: 9:00
